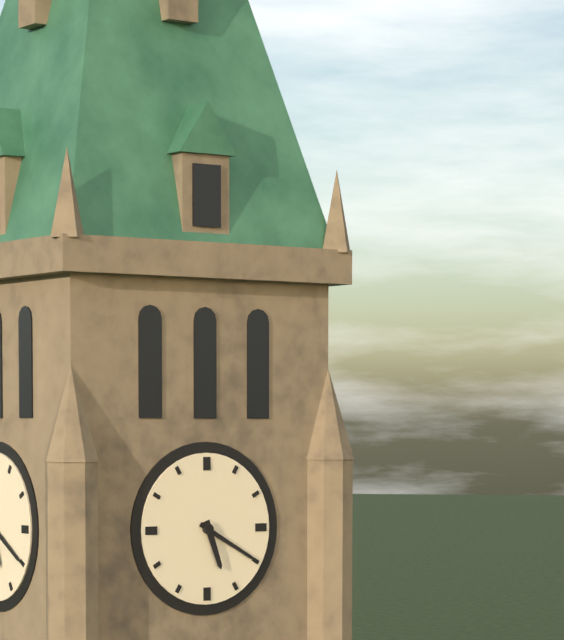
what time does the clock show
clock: 5:20
